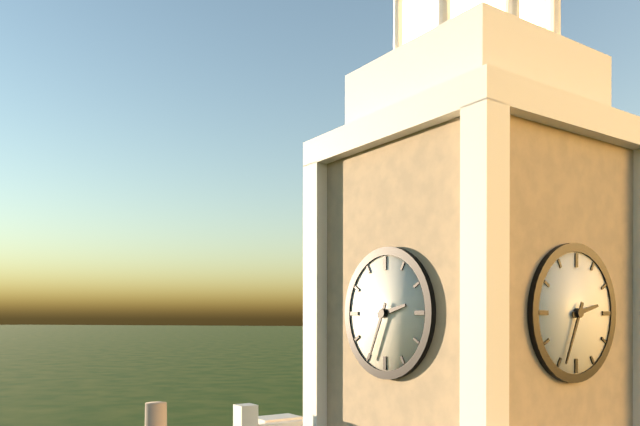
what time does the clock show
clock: 2:34
